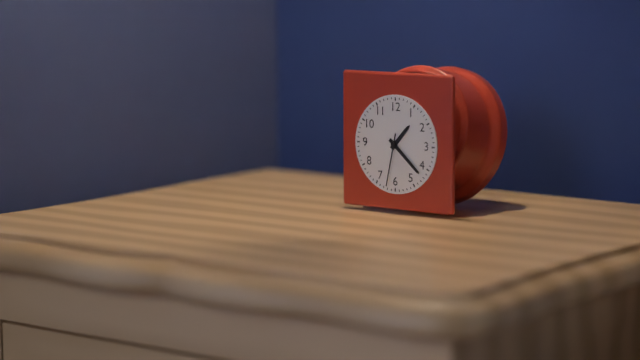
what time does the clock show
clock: 1:22:32
